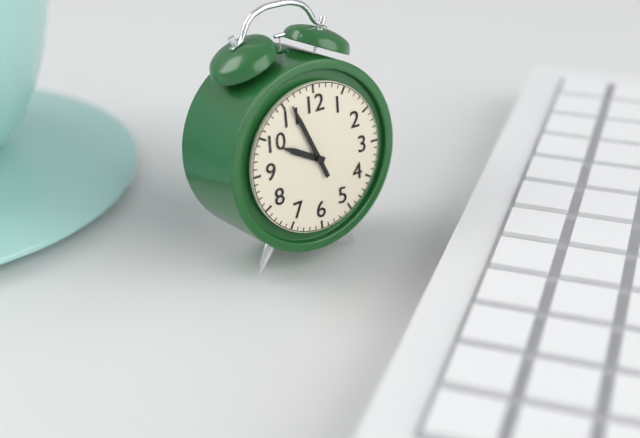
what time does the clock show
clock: 9:56
